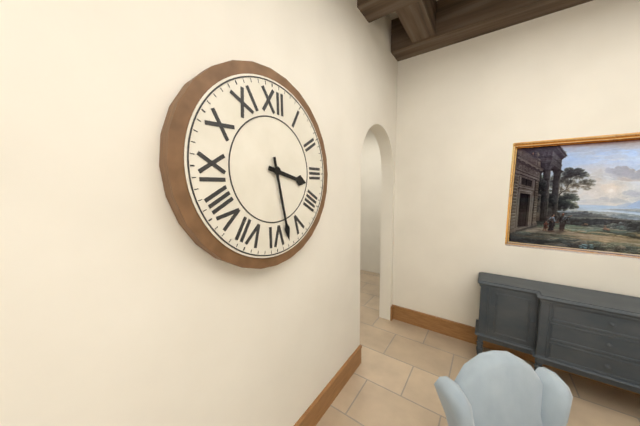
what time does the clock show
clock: 3:28
